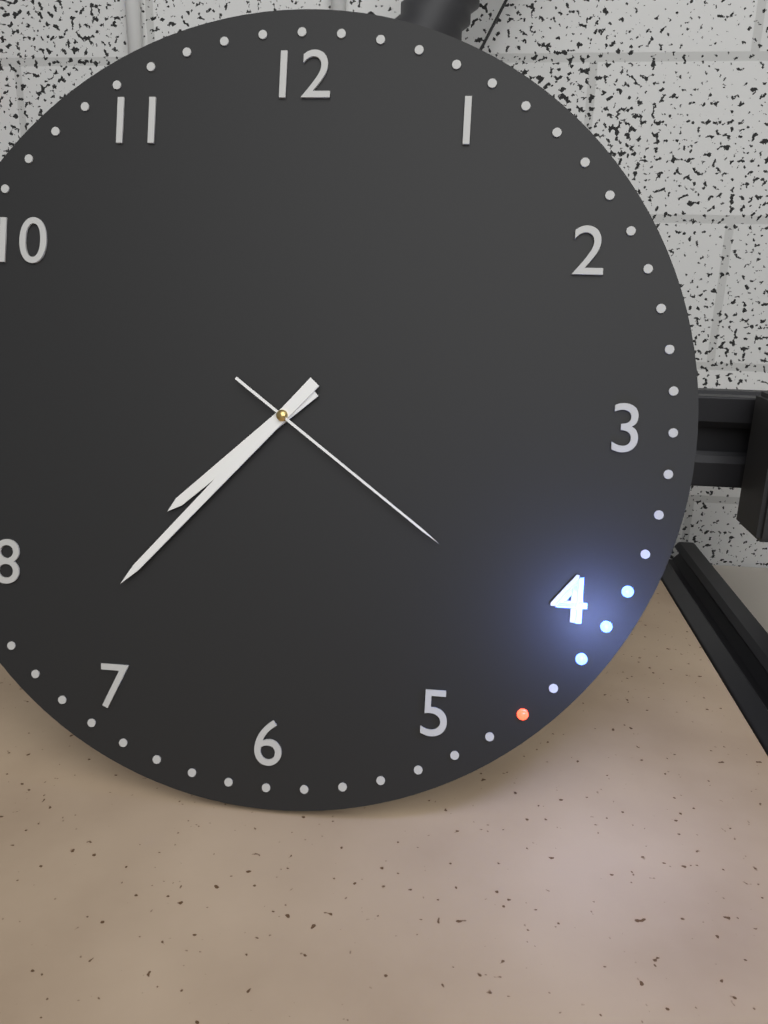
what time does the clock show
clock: 7:37:21
